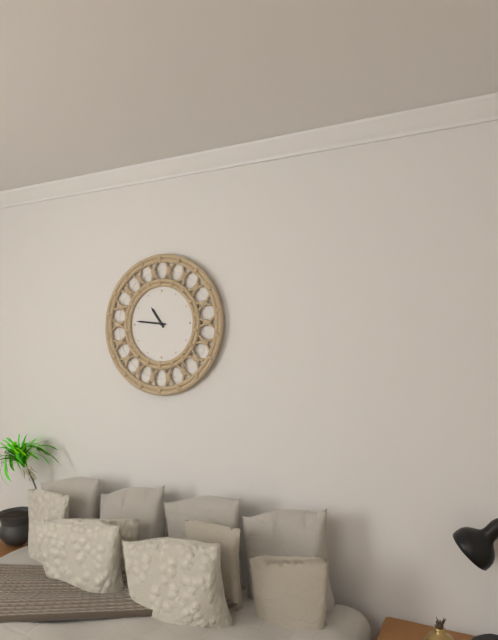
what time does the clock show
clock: 10:46
